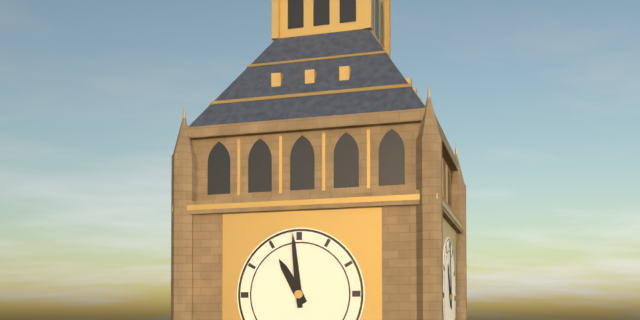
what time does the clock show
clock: 10:59
